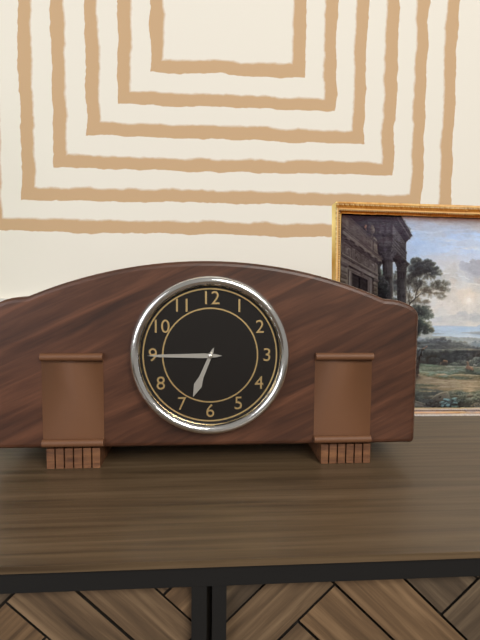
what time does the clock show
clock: 6:45
